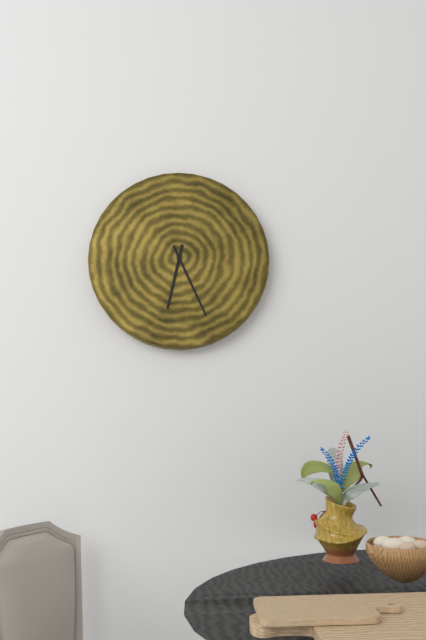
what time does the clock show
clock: 6:26
